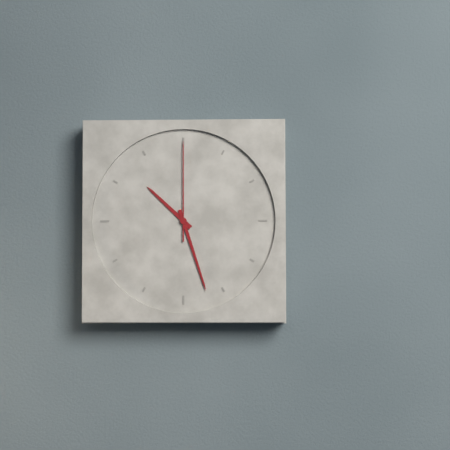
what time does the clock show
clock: 10:27:00
